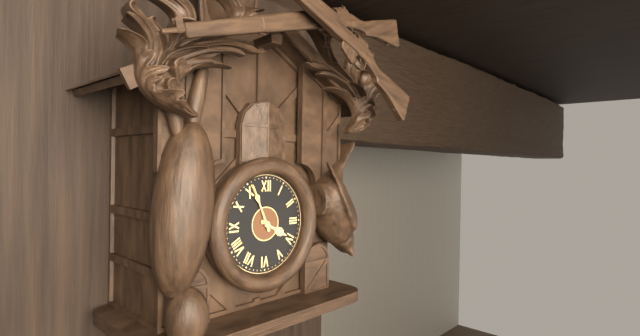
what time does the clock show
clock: 3:56
